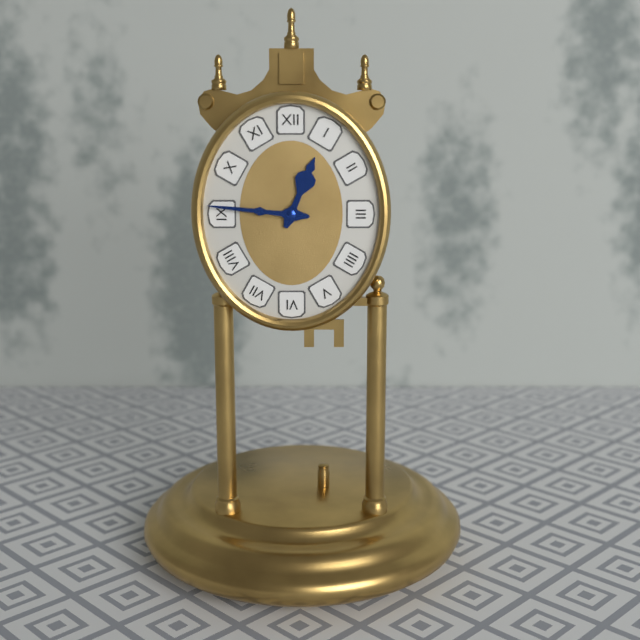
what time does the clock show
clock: 12:46
